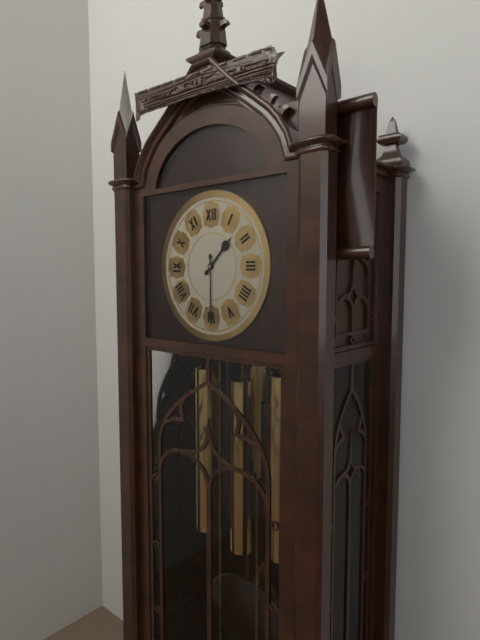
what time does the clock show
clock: 1:30
